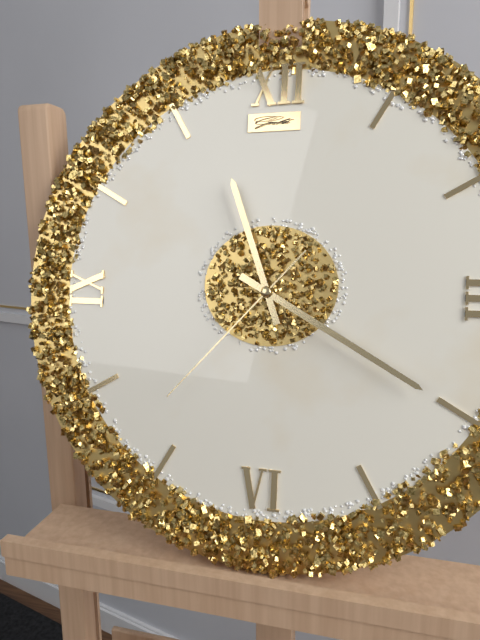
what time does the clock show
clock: 11:20:37
